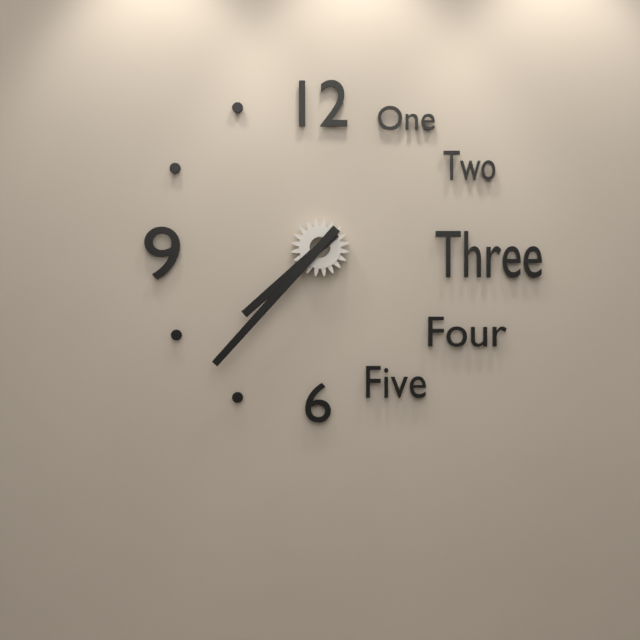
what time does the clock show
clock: 7:37
